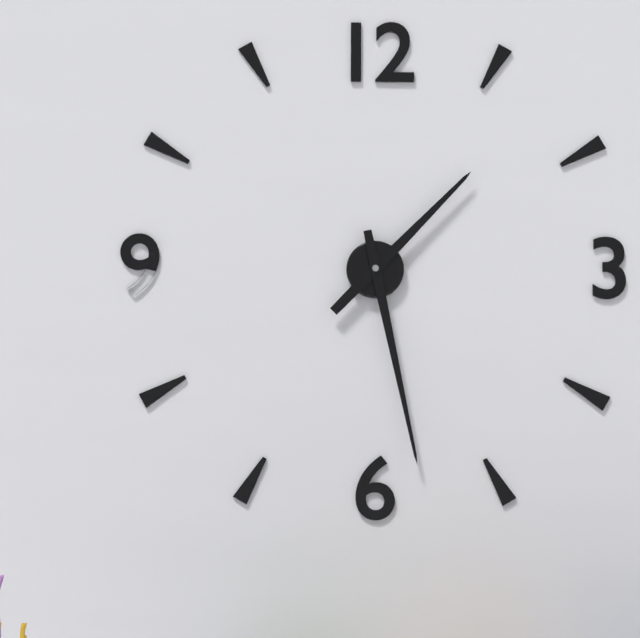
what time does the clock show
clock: 1:28
